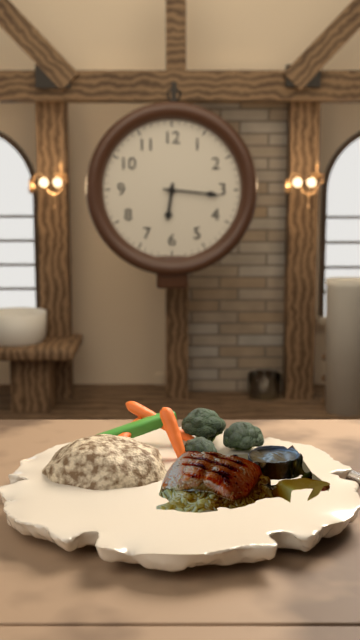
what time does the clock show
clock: 6:16
